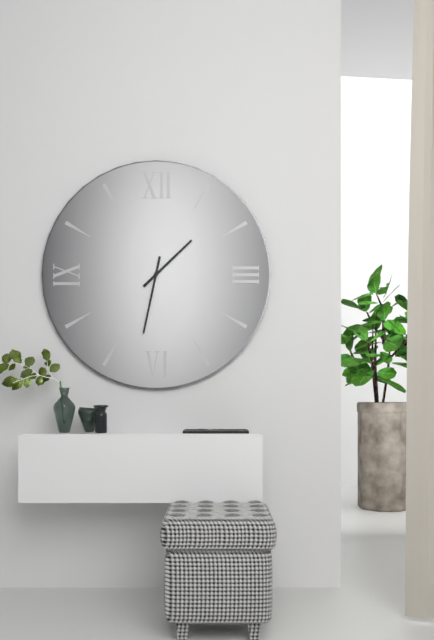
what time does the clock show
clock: 1:32
